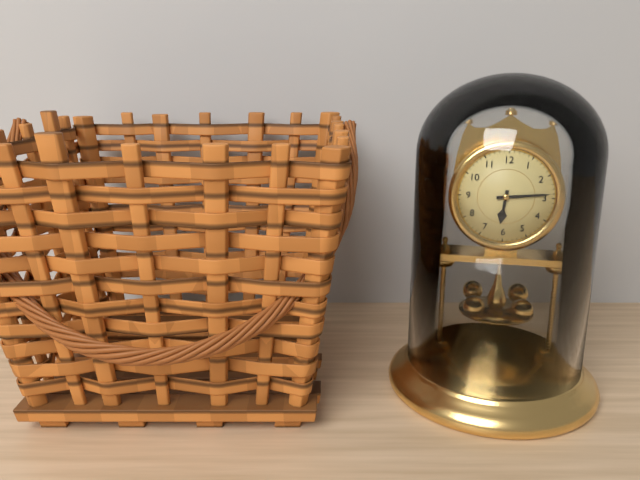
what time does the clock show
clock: 6:14
